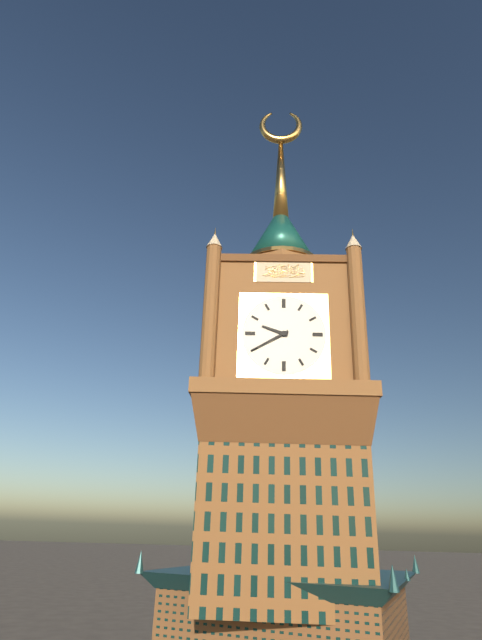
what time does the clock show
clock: 9:40
